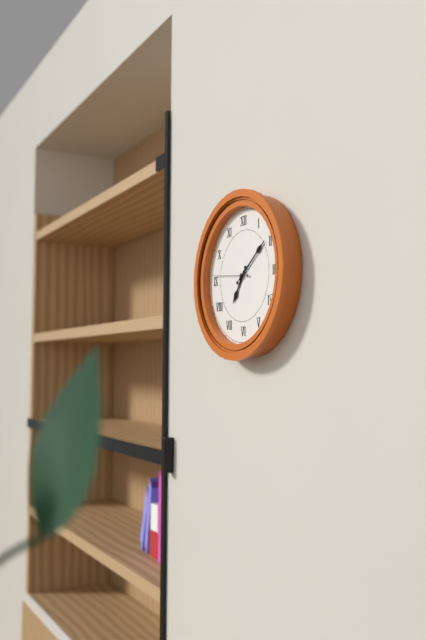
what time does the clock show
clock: 7:09
